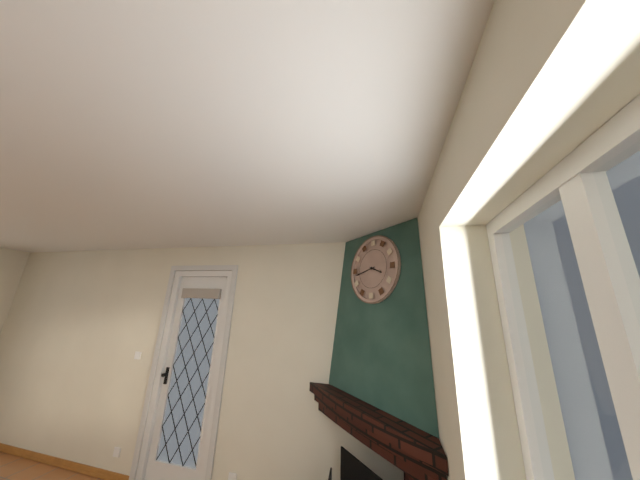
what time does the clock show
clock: 3:43
